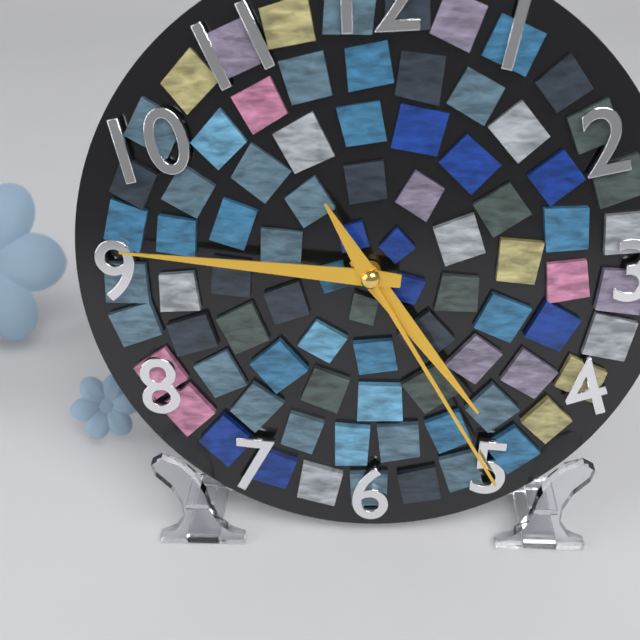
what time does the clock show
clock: 4:46:25
